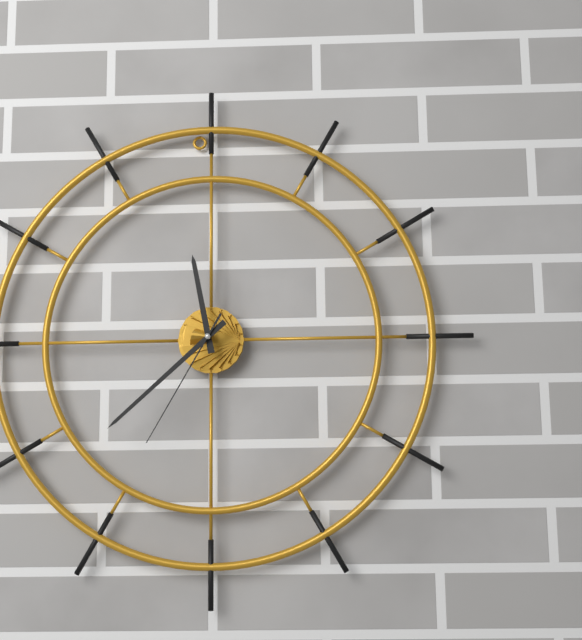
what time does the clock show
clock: 11:38:35
